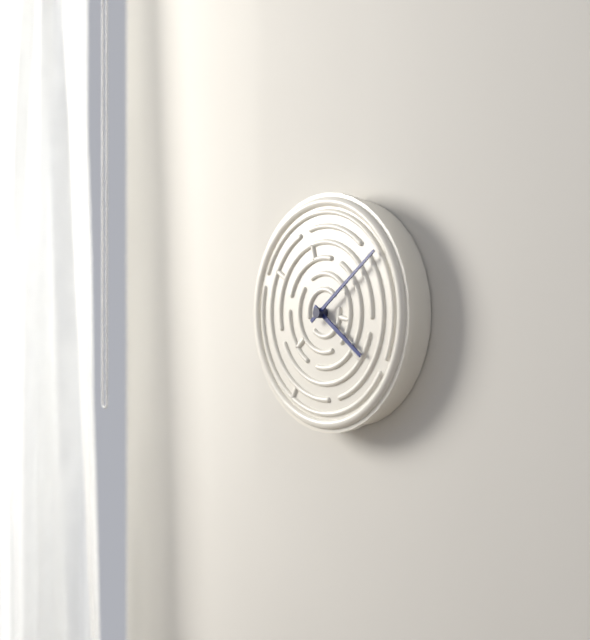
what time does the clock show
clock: 4:09
